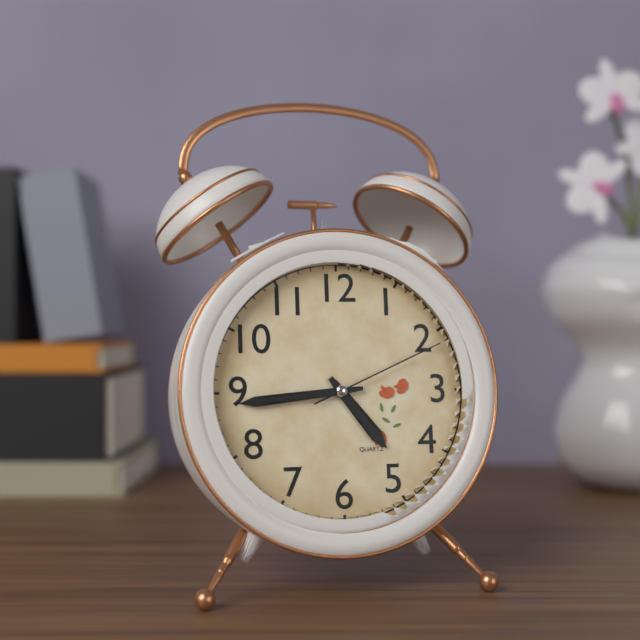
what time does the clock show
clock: 4:44:11
